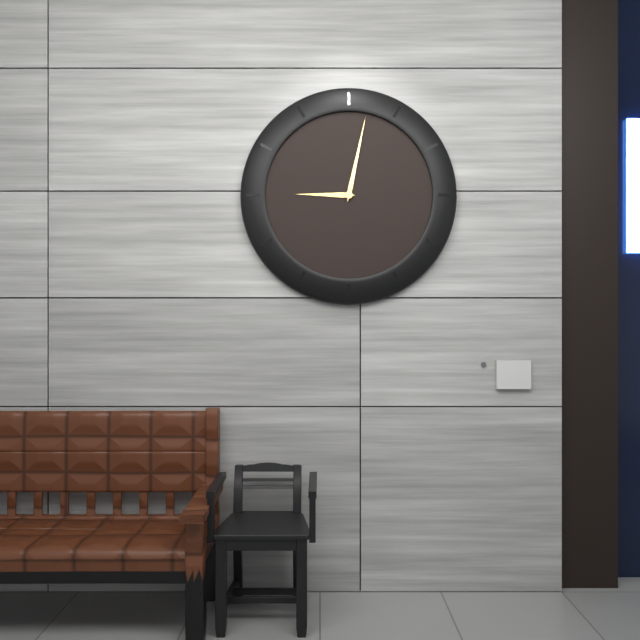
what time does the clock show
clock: 9:02
